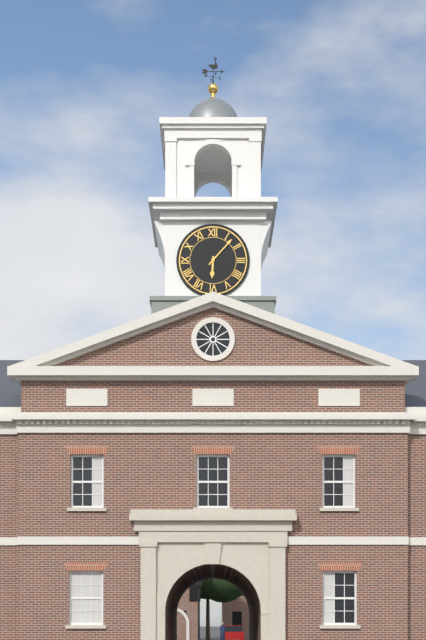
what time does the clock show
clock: 6:07
